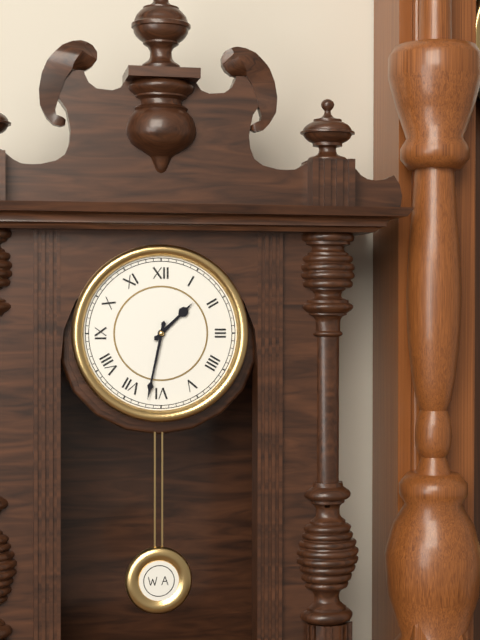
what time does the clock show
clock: 1:32
